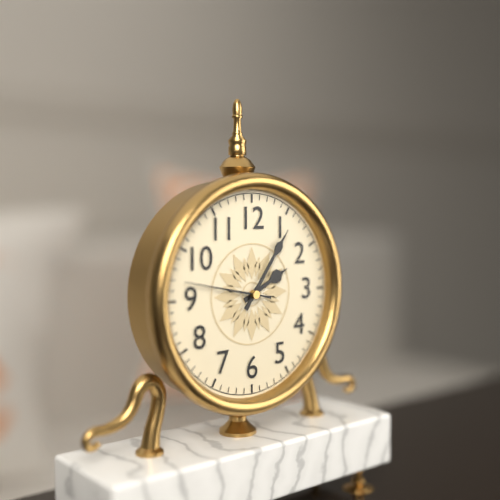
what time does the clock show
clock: 2:06:47
